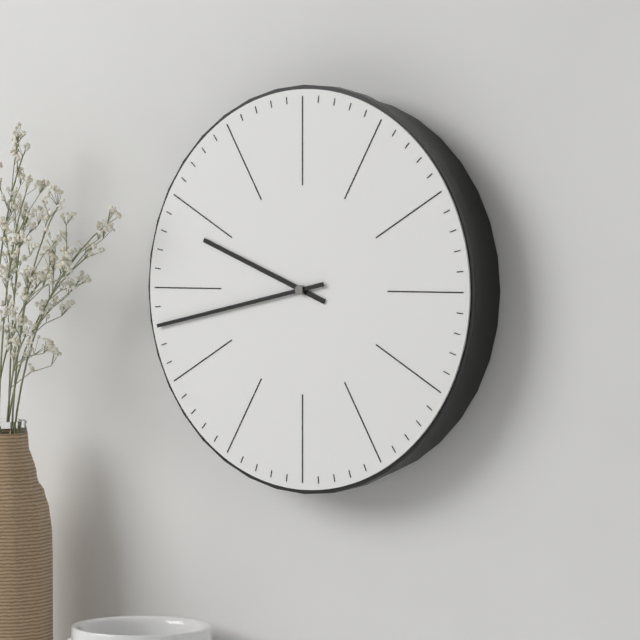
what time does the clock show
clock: 9:43
